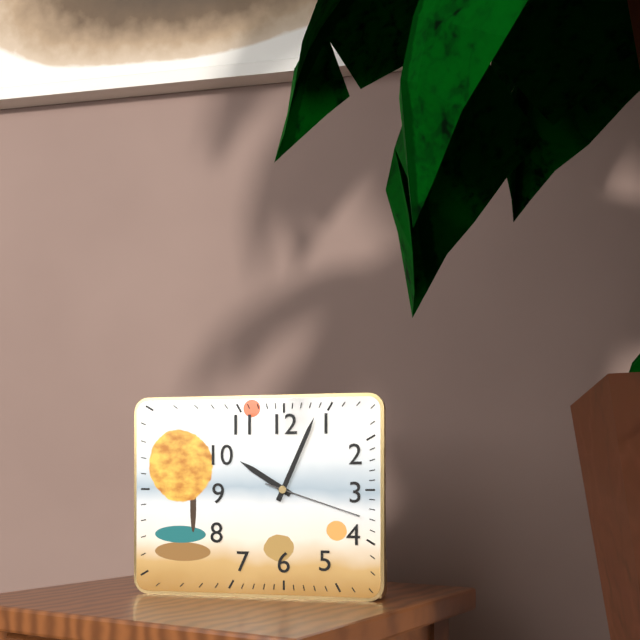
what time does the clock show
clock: 10:04:18
